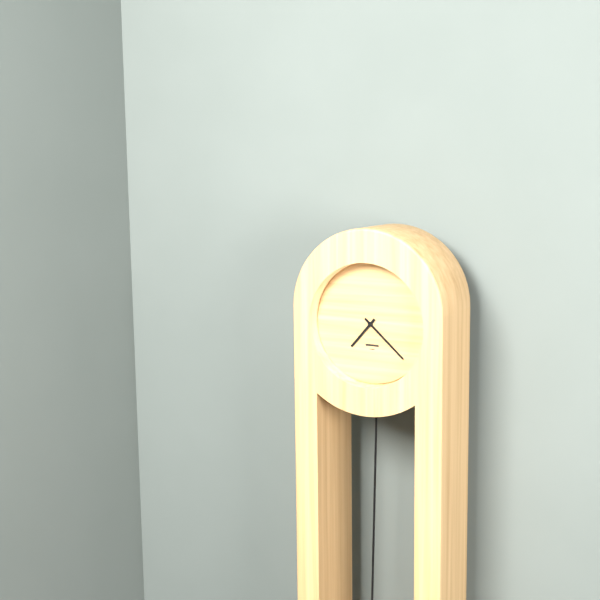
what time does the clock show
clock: 7:22
